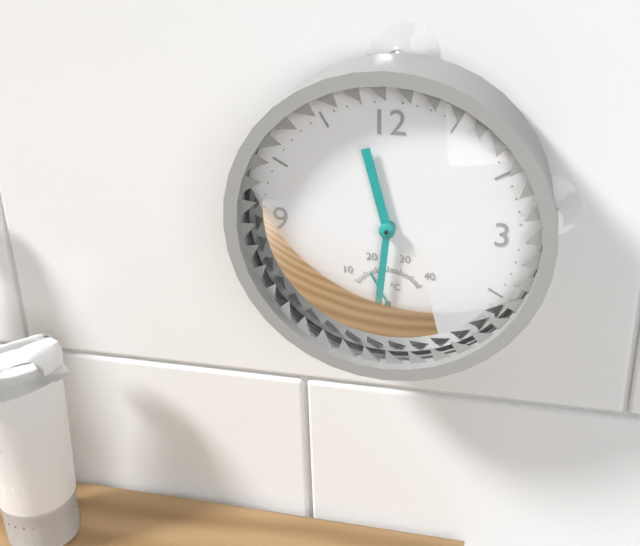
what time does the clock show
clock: 11:31
